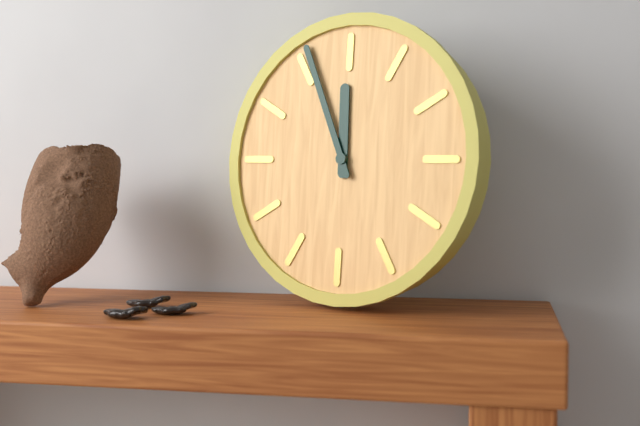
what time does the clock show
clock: 11:56
